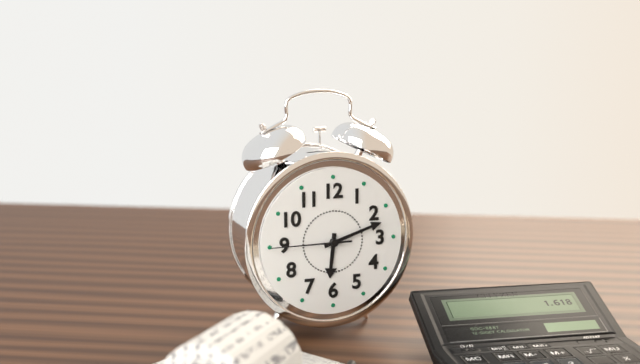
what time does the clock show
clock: 6:12:45
